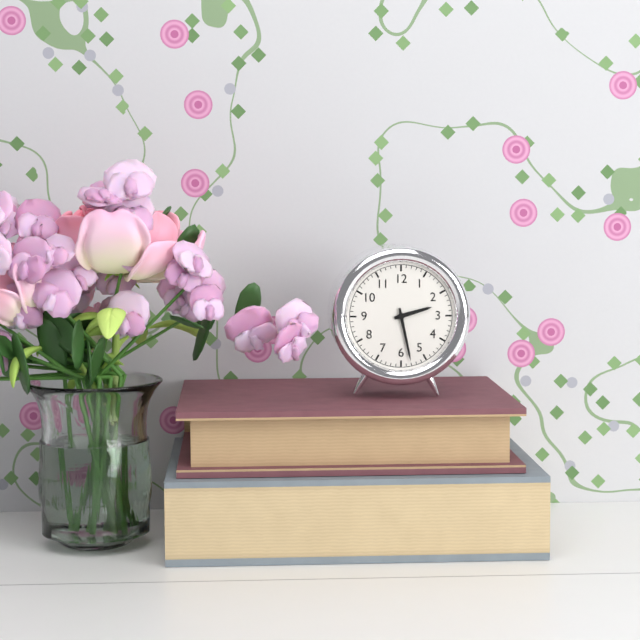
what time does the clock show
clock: 2:28
